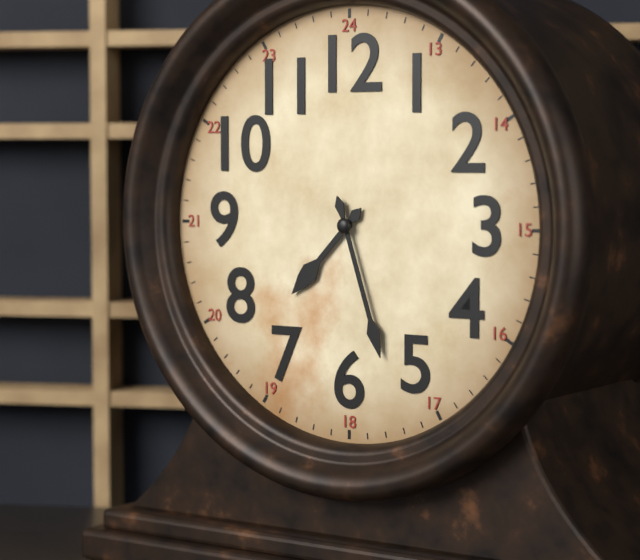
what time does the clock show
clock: 7:27
